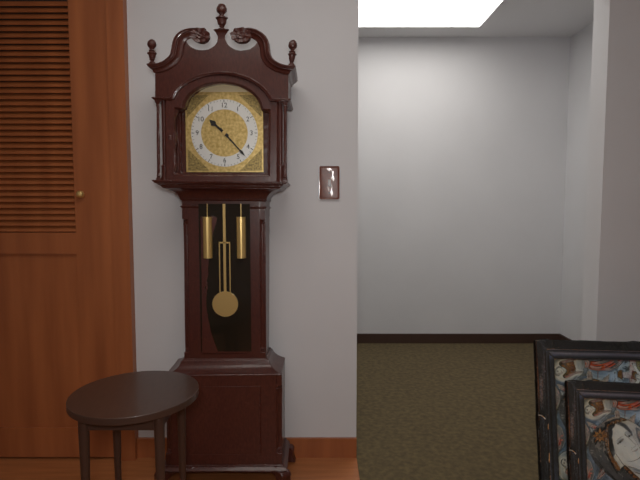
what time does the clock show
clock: 10:23
